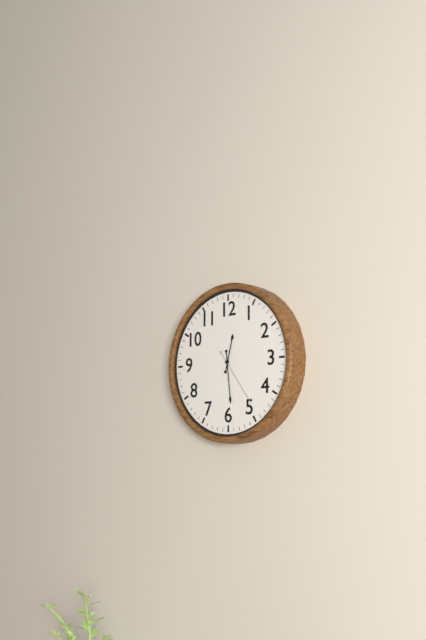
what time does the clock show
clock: 12:29:24
